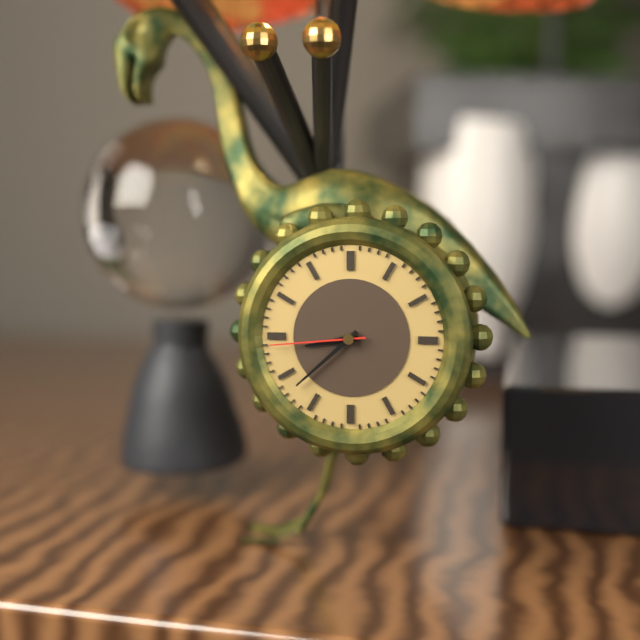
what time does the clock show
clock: 8:38:44
